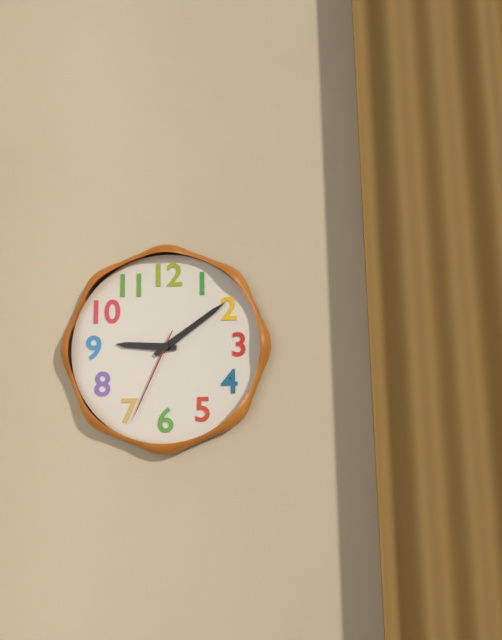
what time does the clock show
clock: 9:09:34
